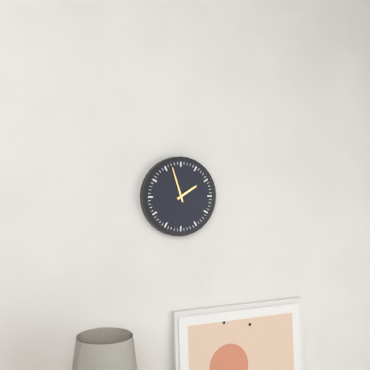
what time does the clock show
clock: 1:57
